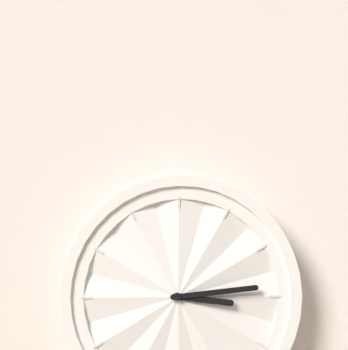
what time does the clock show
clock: 3:14
